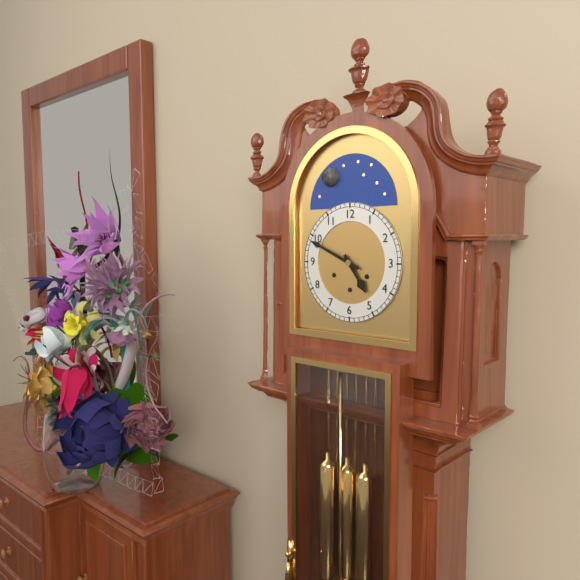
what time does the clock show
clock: 4:49
